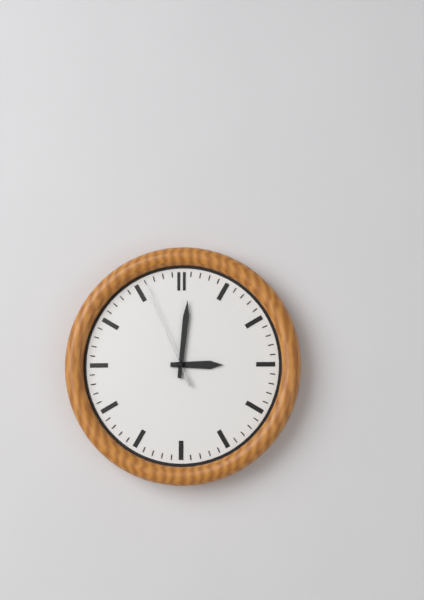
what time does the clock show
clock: 3:01:56
